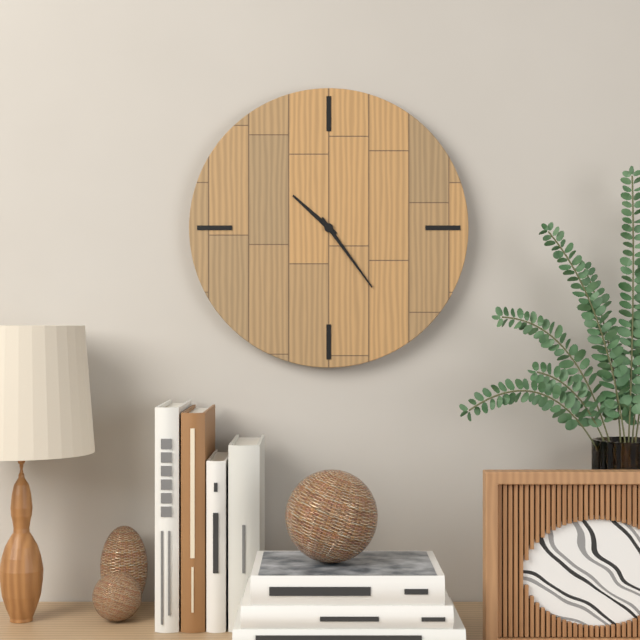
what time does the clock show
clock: 10:24
